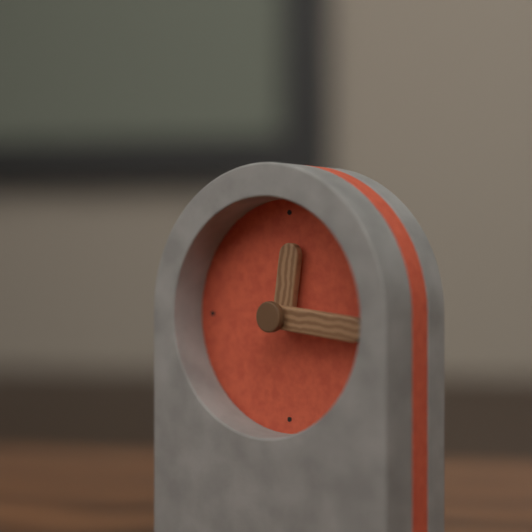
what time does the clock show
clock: 12:16
